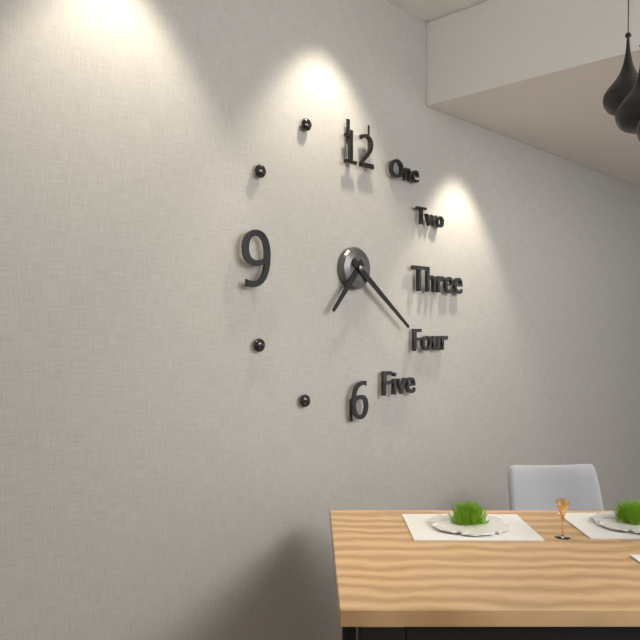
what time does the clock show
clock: 7:21
